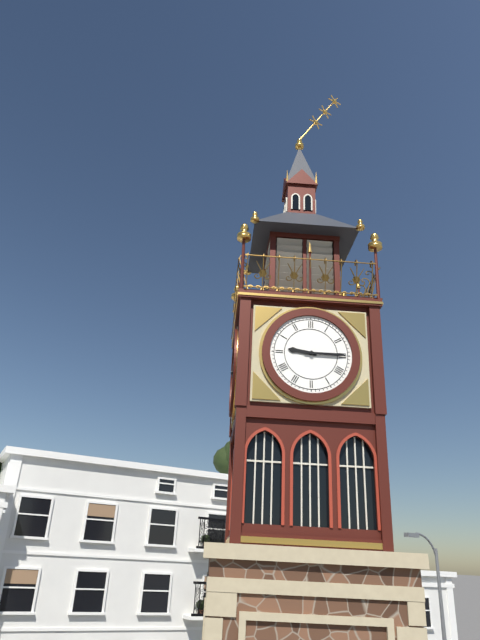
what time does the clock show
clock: 9:15
